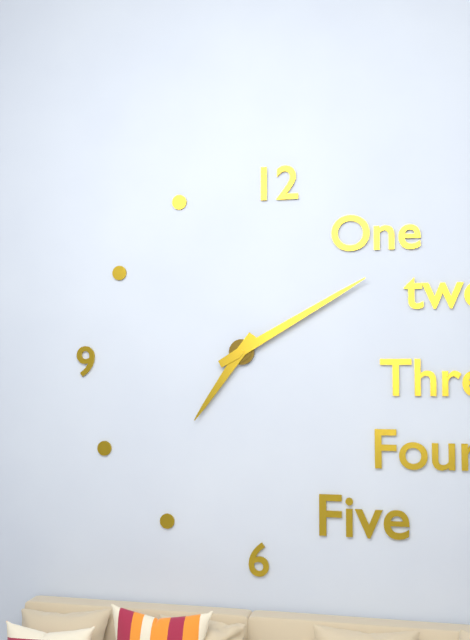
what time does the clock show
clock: 7:10
